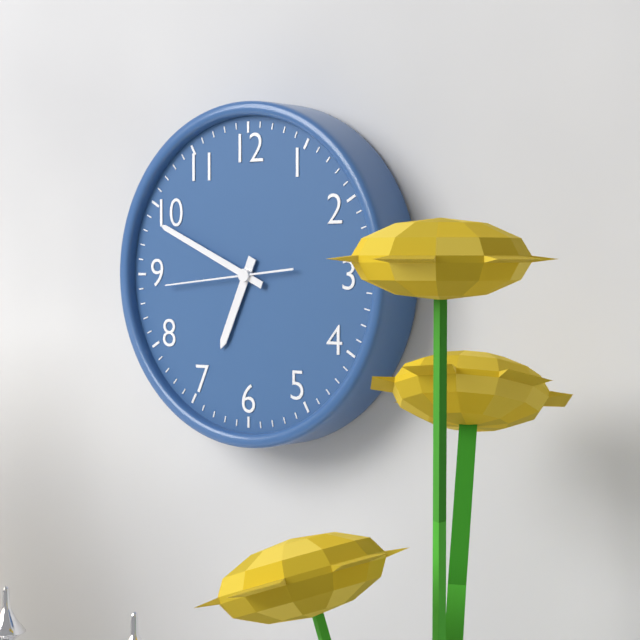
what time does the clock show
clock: 6:49:44
